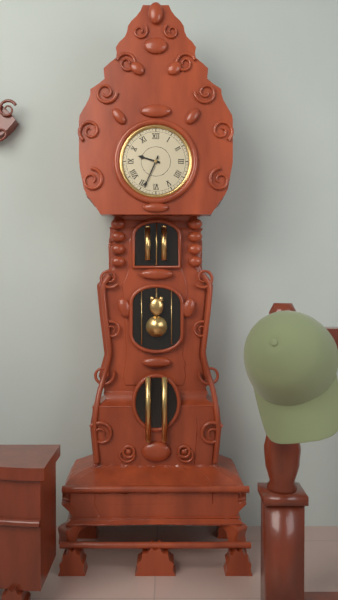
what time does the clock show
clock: 9:34
